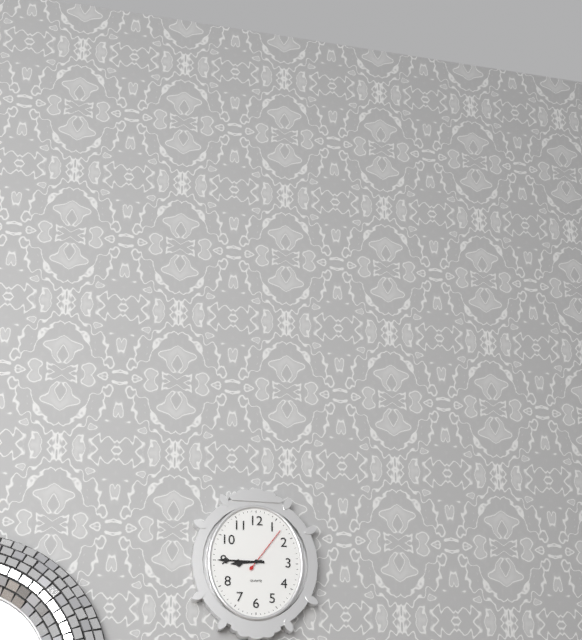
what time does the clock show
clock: 8:45
